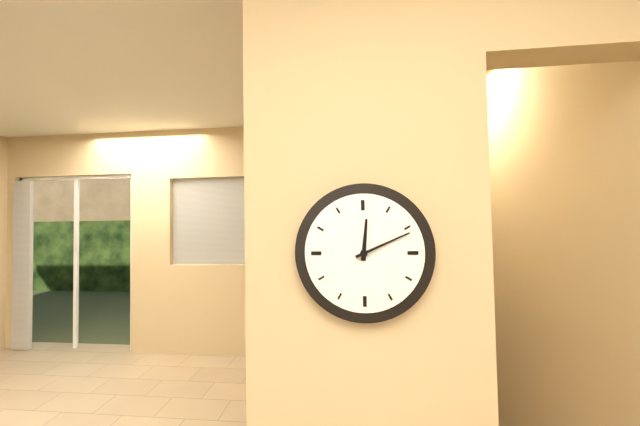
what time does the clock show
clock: 12:11
